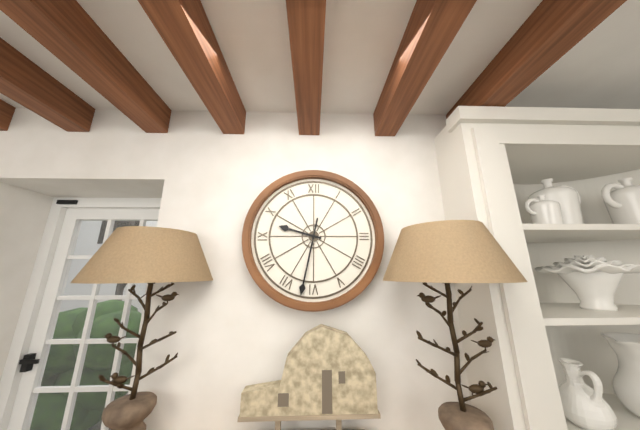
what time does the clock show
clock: 9:32
